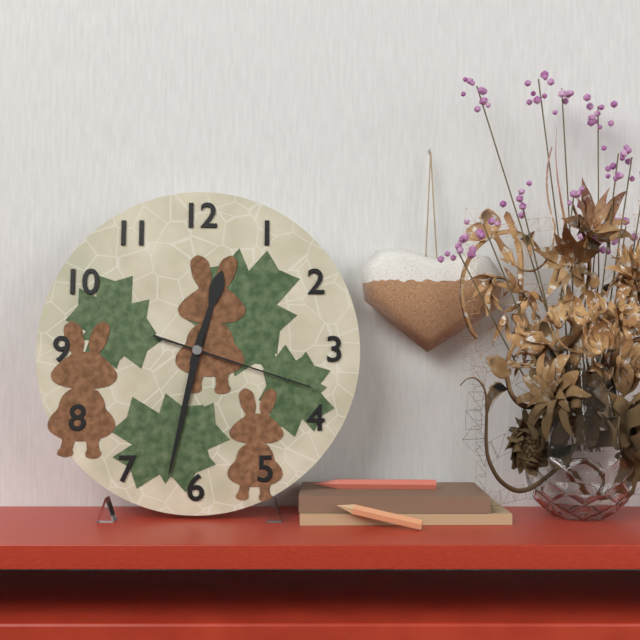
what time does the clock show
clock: 12:32:18
